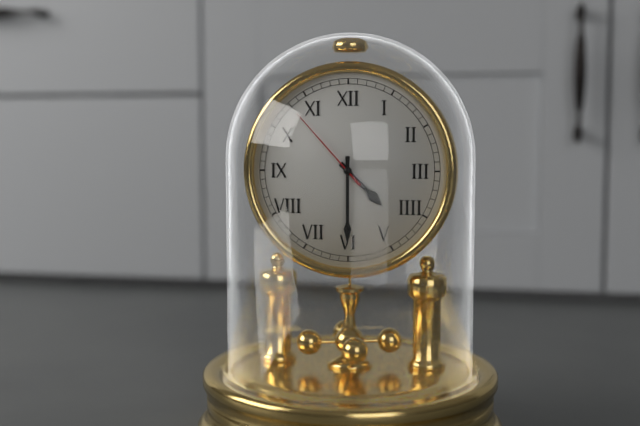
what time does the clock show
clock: 4:30:53
